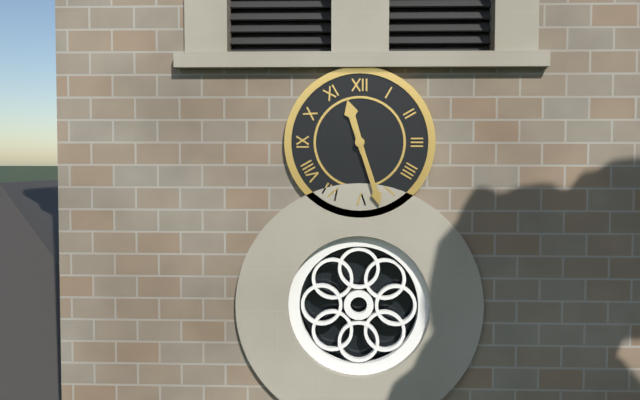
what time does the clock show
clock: 11:27
